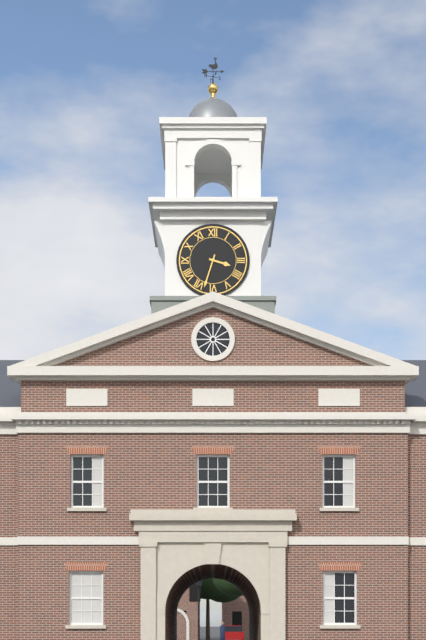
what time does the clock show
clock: 3:33
